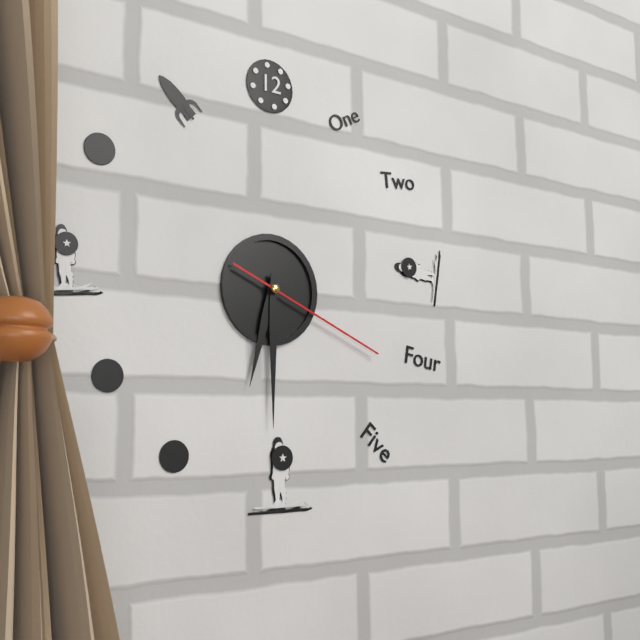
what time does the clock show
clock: 6:30:19
